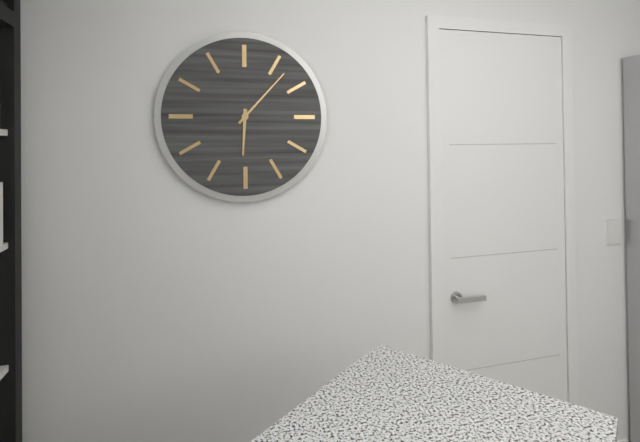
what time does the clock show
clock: 6:07
